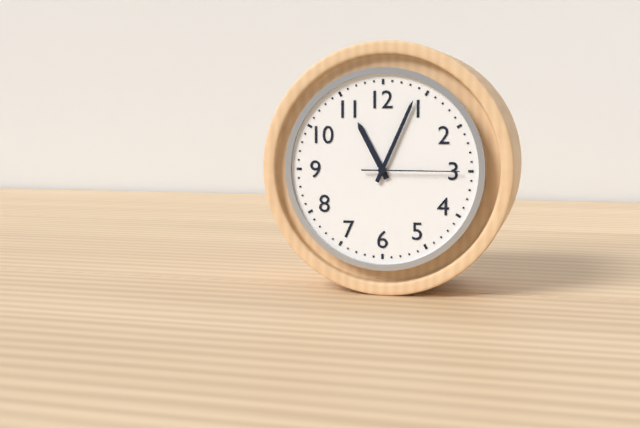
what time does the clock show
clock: 11:04:15
